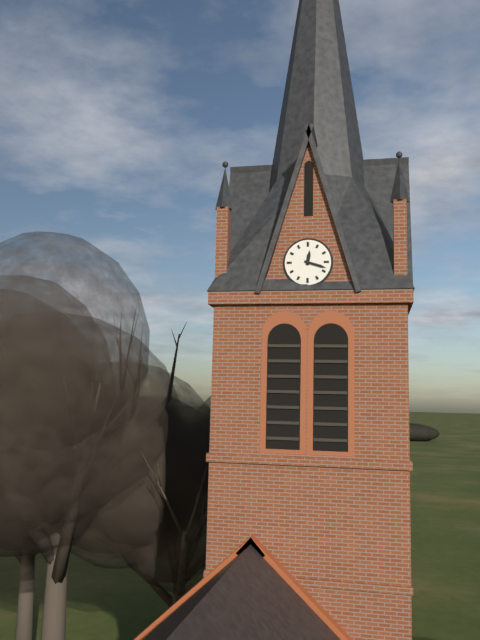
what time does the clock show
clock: 12:18
